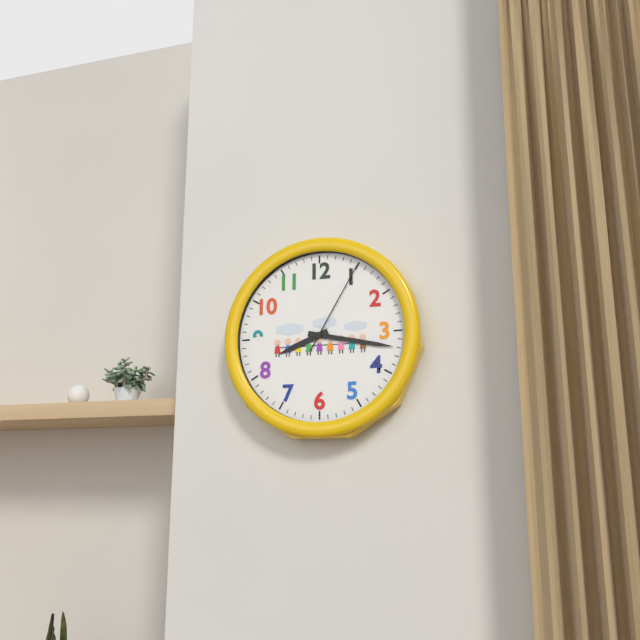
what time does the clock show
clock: 8:17:05
